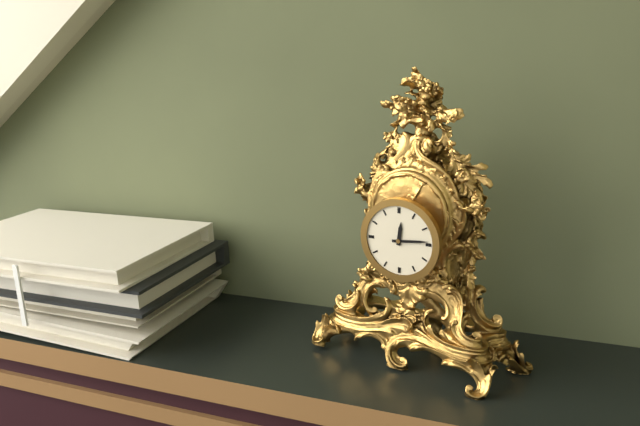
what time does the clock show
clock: 12:14
